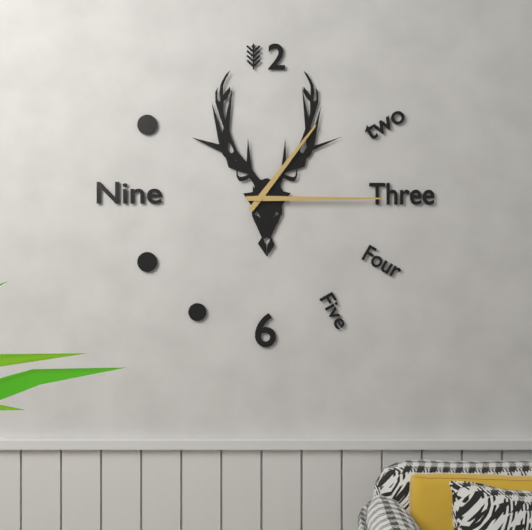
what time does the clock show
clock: 1:15
